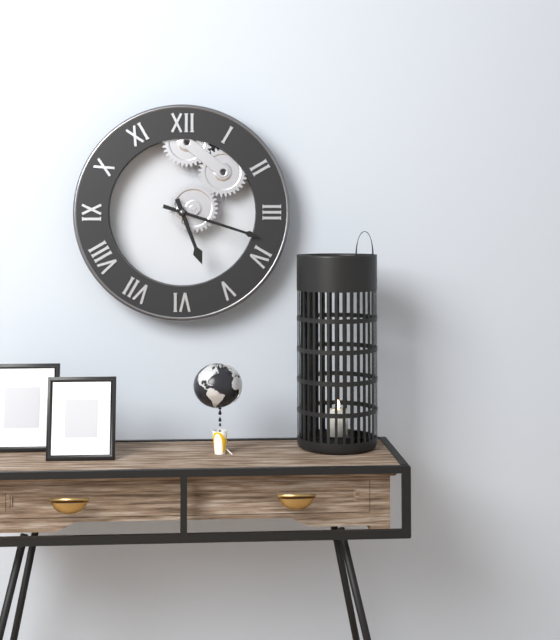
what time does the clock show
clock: 5:18
